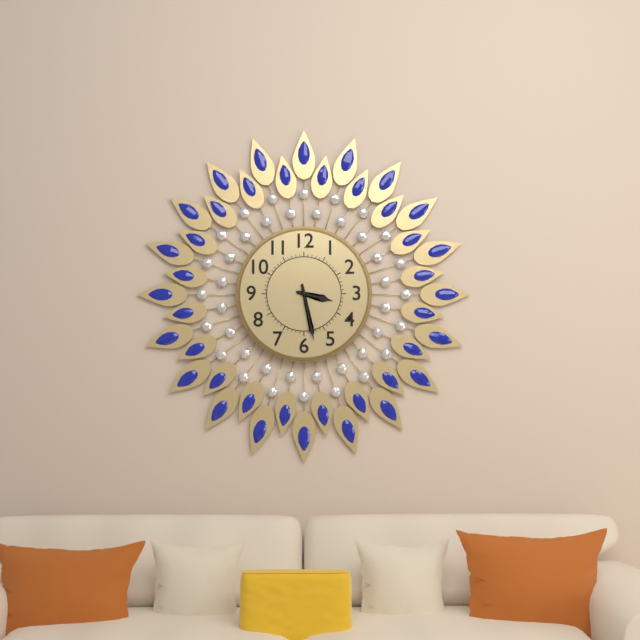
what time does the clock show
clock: 3:28
